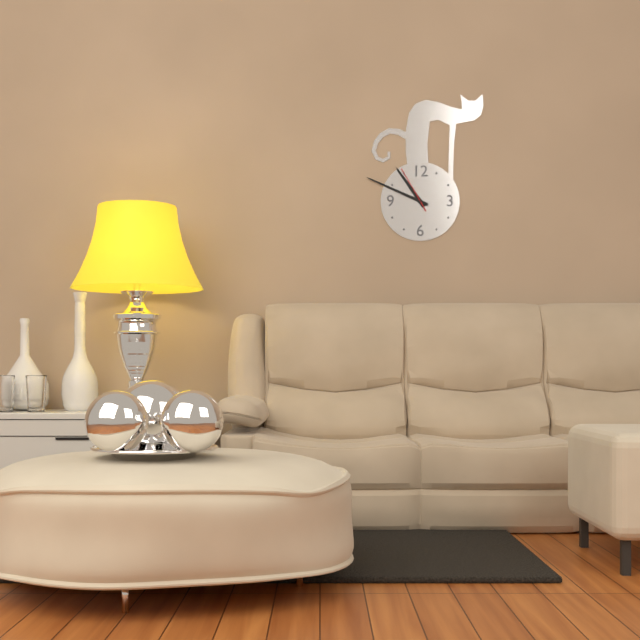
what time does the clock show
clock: 10:49
